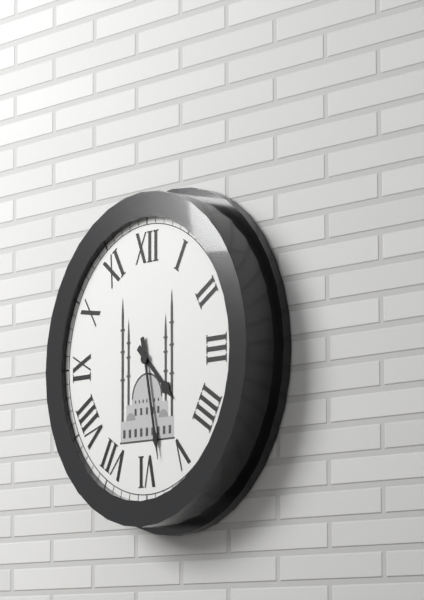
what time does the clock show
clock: 4:28
